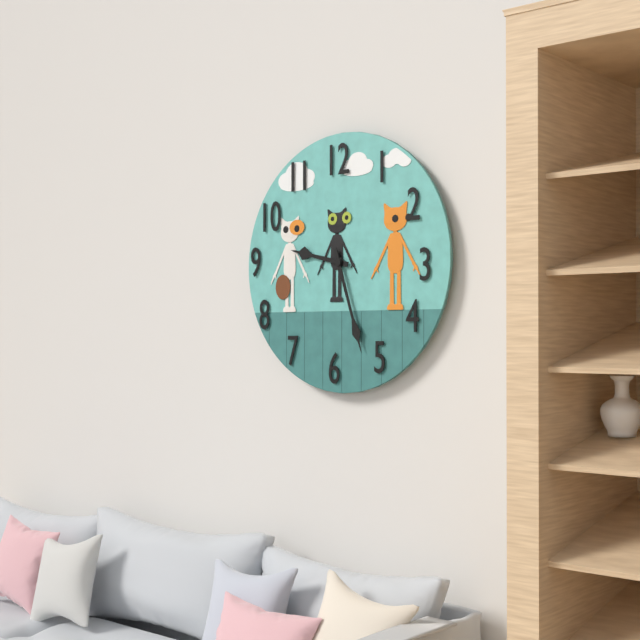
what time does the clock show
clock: 9:27
